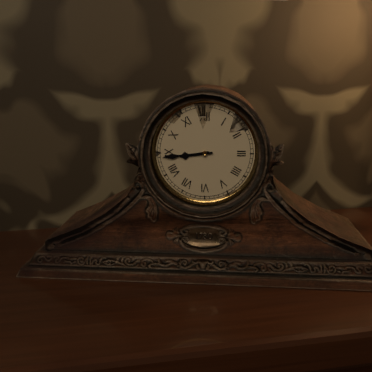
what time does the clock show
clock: 8:44
